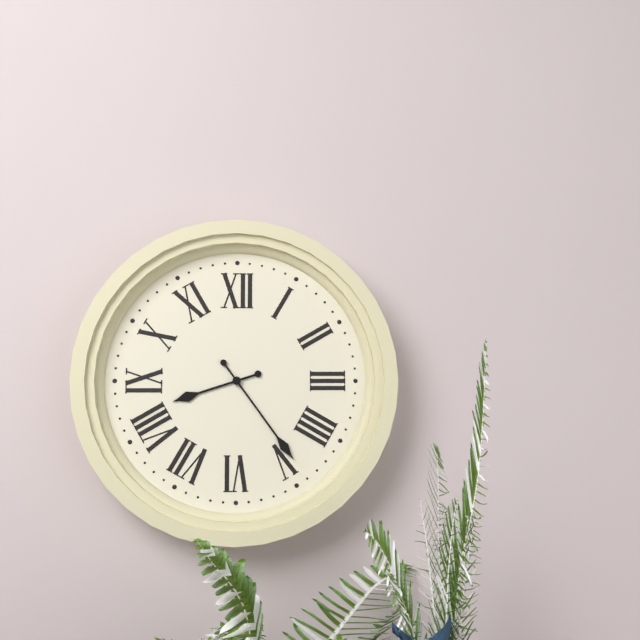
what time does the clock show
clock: 8:24
